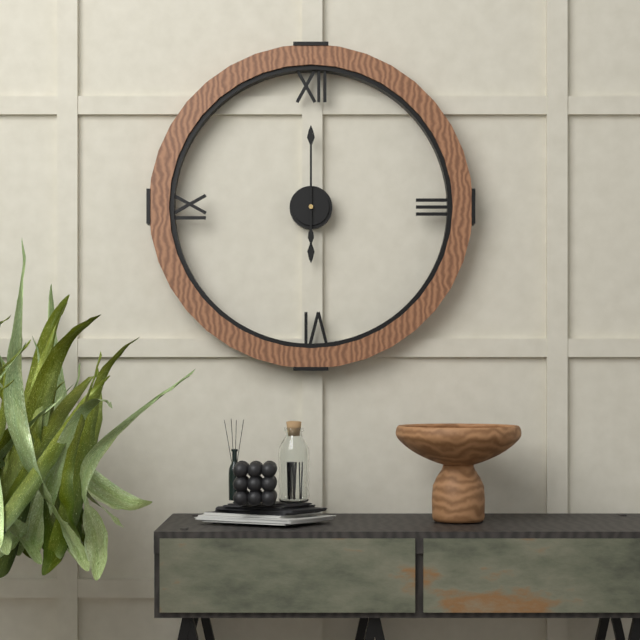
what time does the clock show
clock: 6:00
